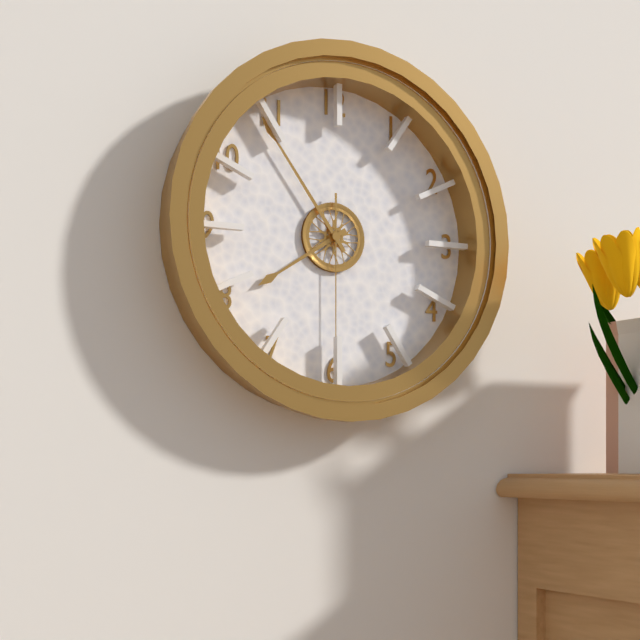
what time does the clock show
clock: 7:54:30
